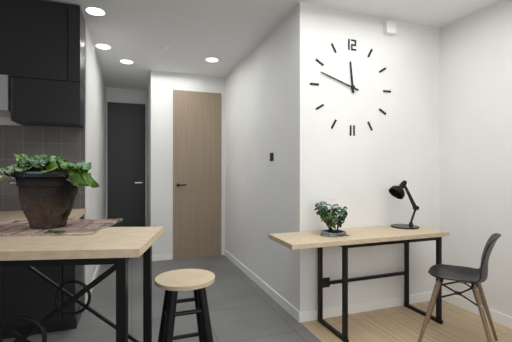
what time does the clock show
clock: 11:48
